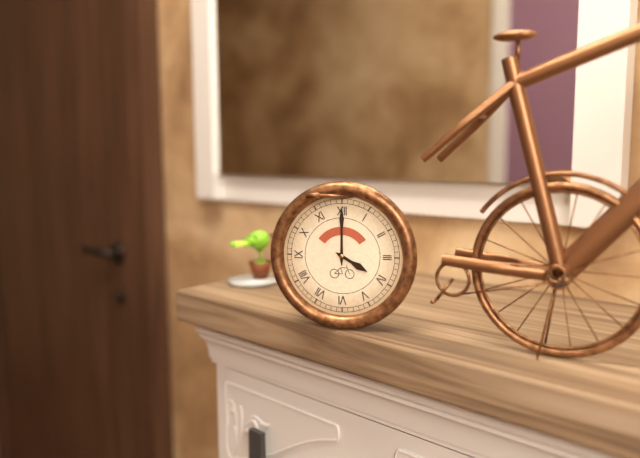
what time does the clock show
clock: 4:00
